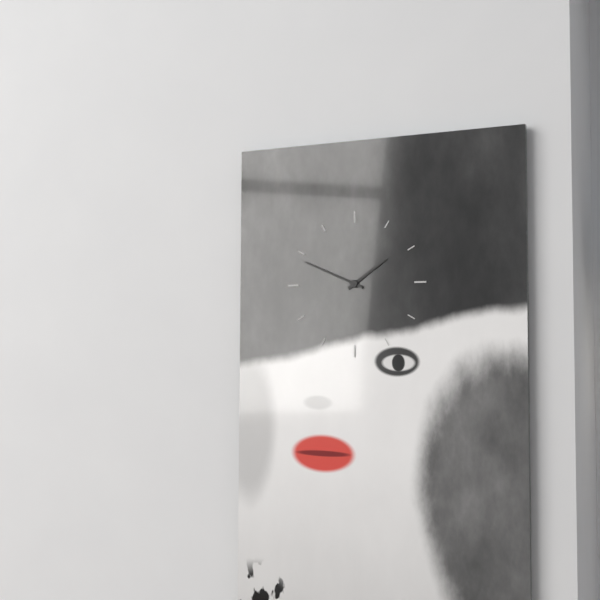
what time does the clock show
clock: 1:49
